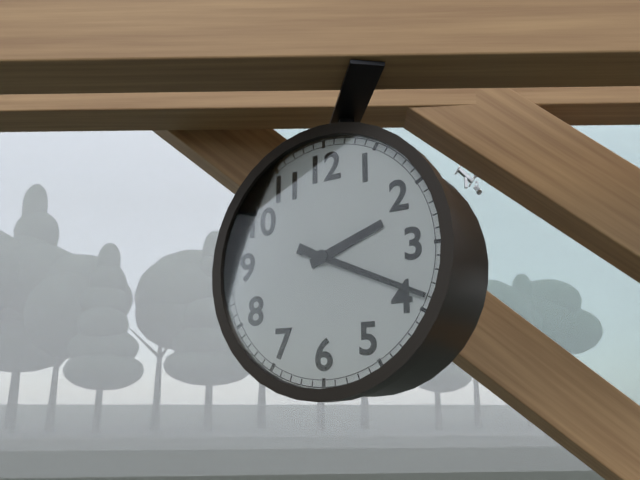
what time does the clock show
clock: 2:19
